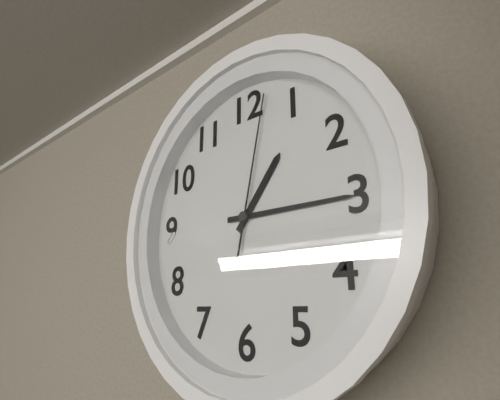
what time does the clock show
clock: 1:15:02
